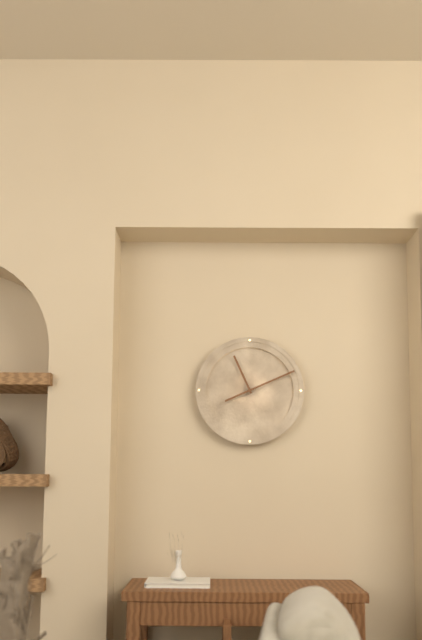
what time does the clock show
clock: 11:11
